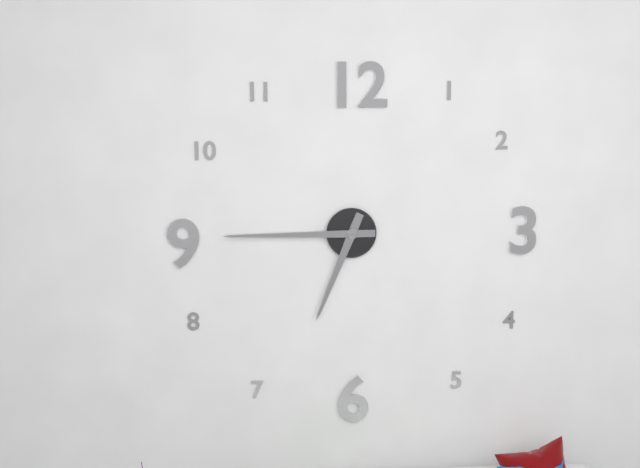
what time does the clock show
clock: 6:45
